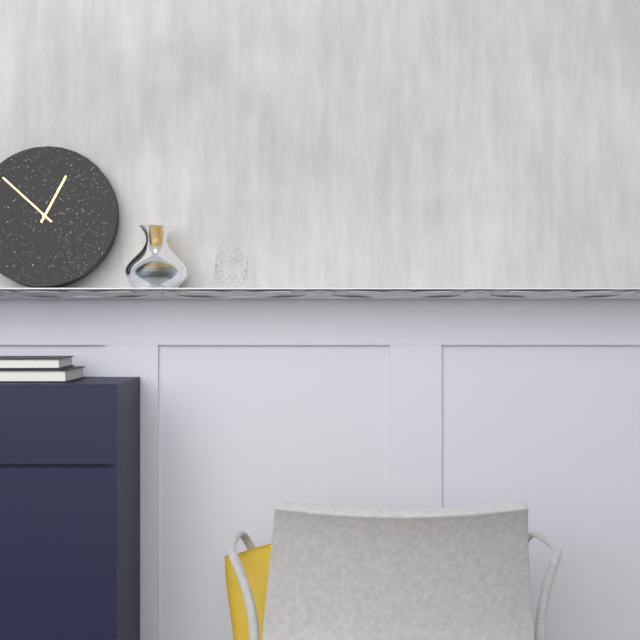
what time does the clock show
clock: 12:52
